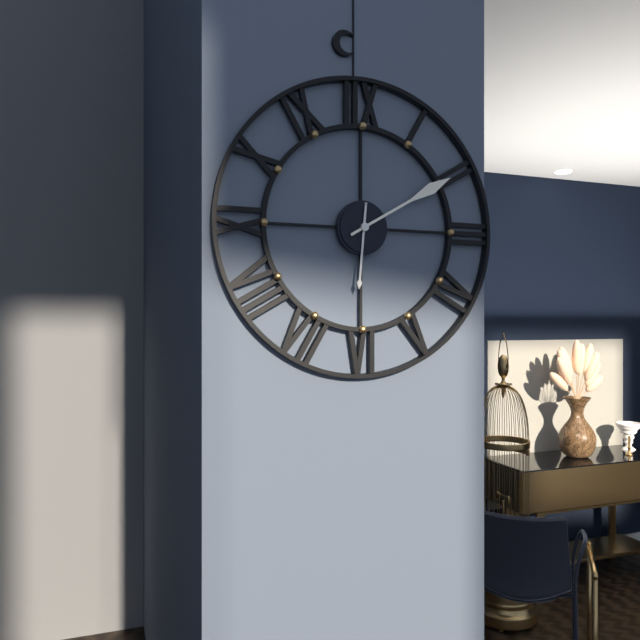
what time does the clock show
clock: 6:10
